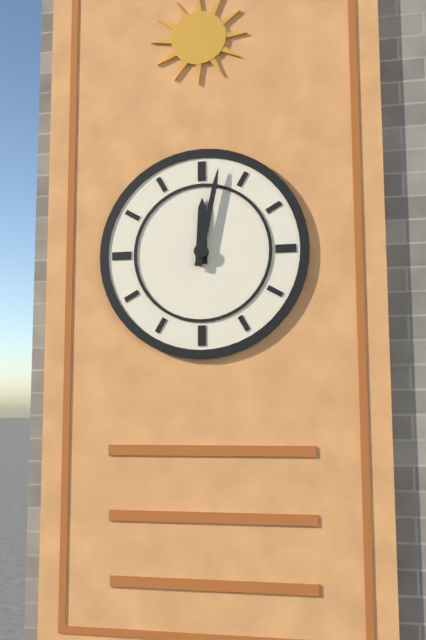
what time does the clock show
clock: 12:02
